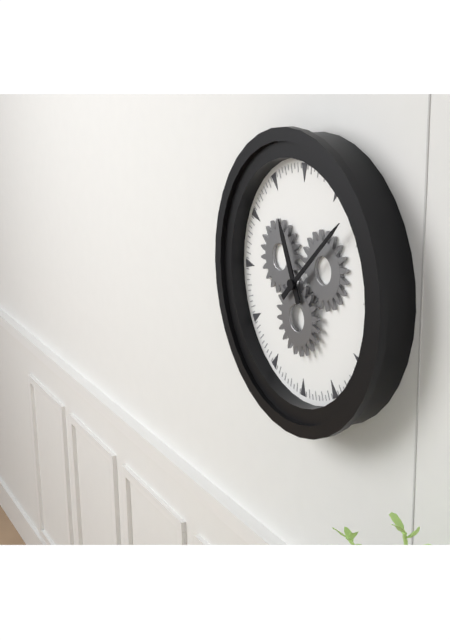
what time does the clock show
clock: 11:08
